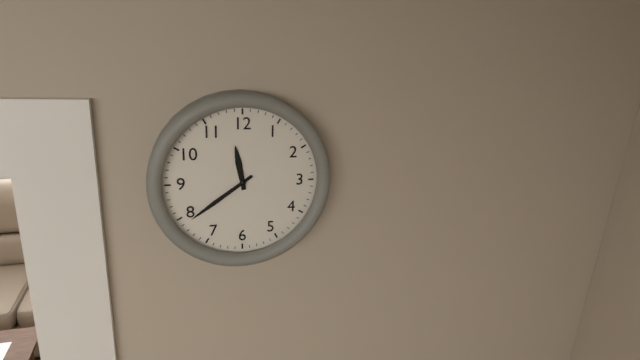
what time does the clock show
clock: 11:39
